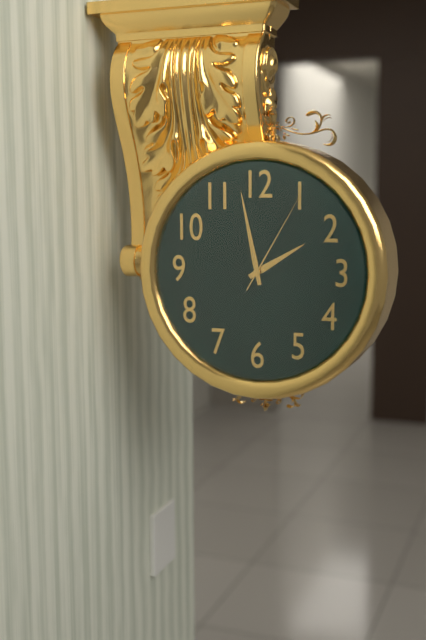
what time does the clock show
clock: 1:58:05
